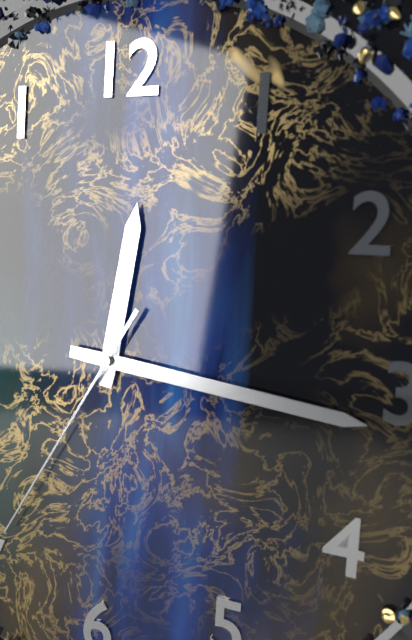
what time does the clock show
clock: 12:16:35
